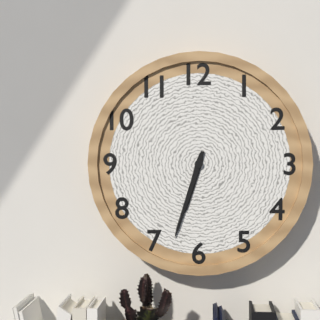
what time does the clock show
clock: 6:33
